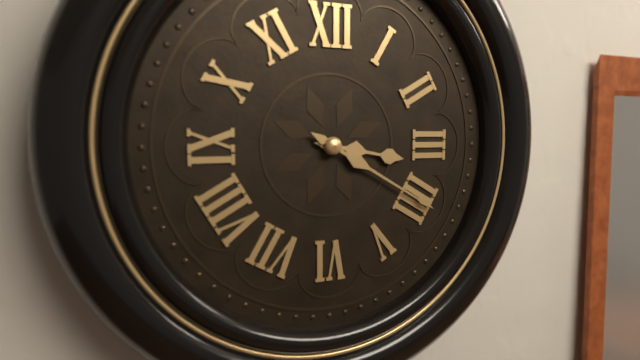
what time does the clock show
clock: 3:20
